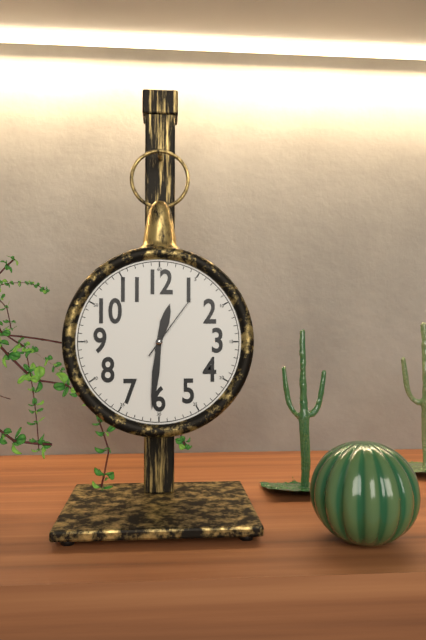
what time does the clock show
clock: 12:31:06
